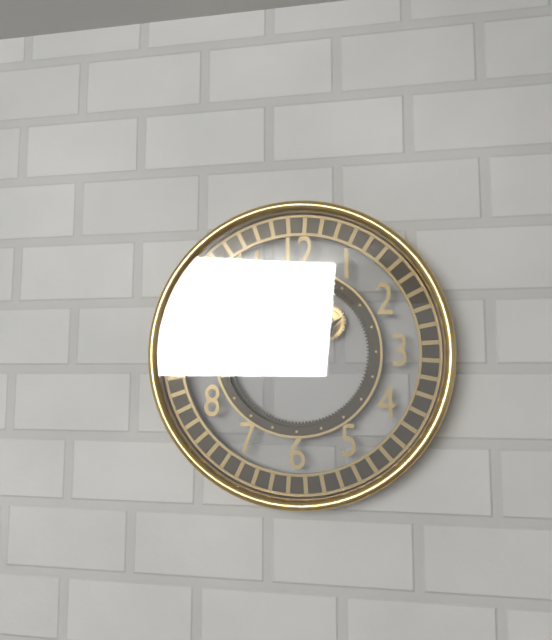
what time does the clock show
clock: 1:48
